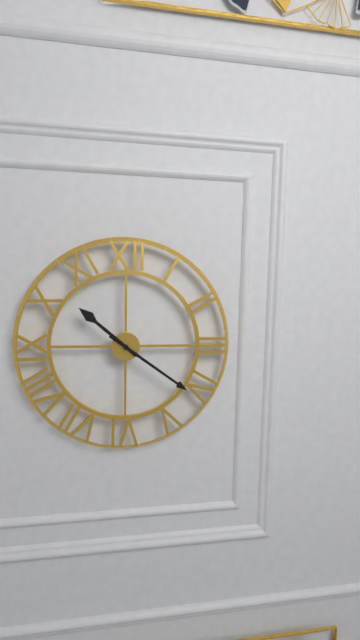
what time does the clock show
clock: 10:21
